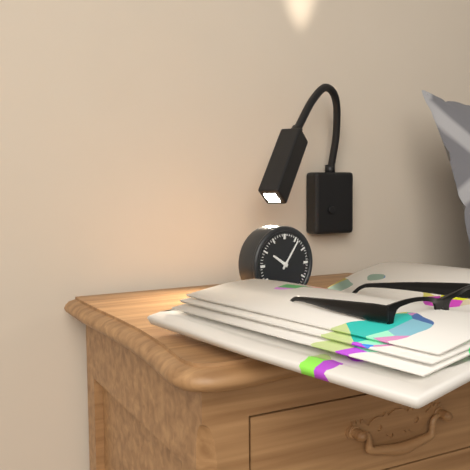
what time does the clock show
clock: 10:06
